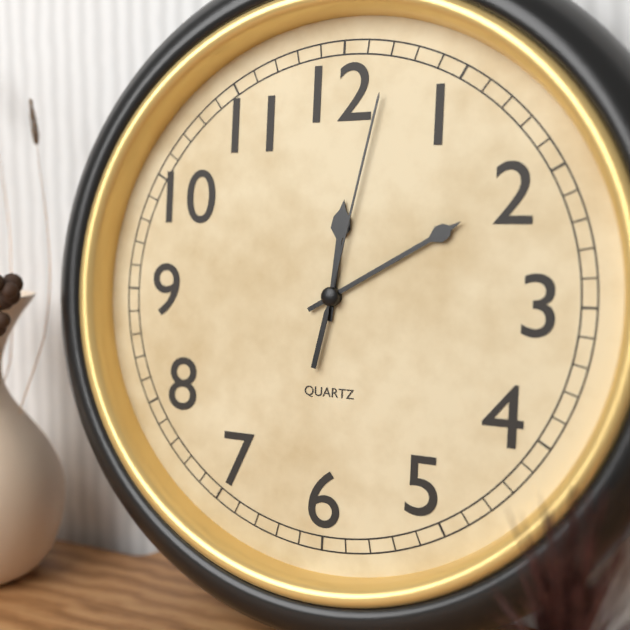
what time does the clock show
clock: 12:10:02
